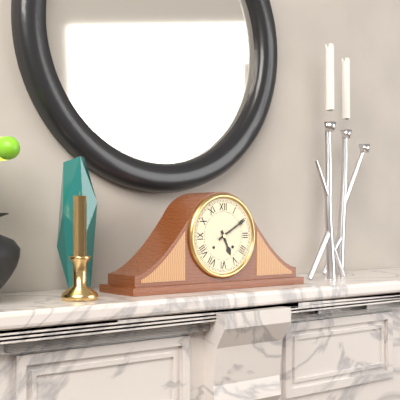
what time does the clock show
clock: 5:10
